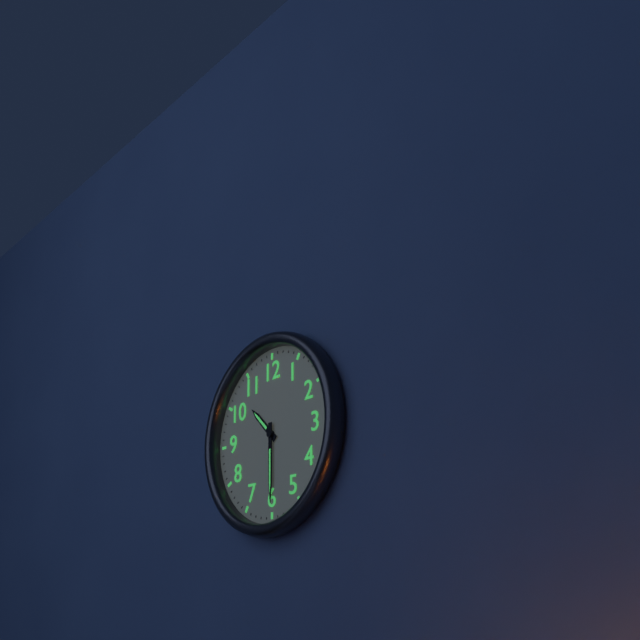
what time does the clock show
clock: 10:30
